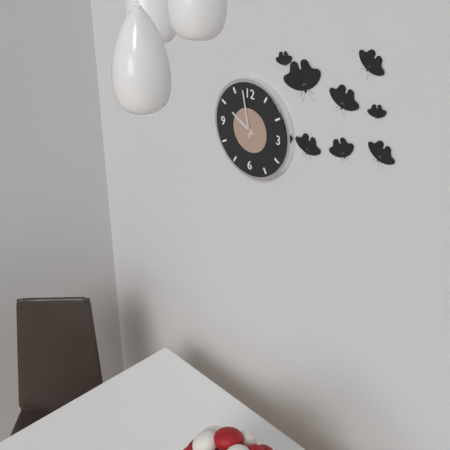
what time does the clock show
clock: 9:58
